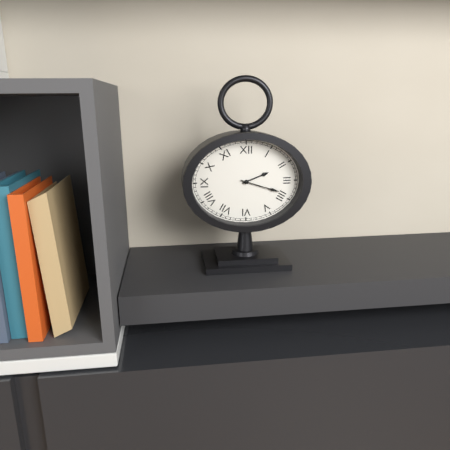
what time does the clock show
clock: 2:18
